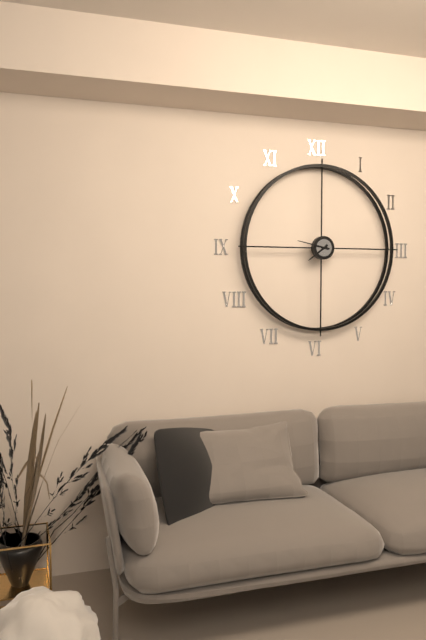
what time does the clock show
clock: 7:47
